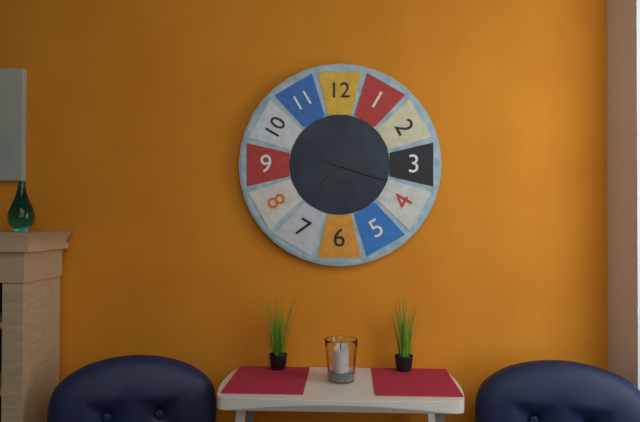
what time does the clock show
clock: 7:18
